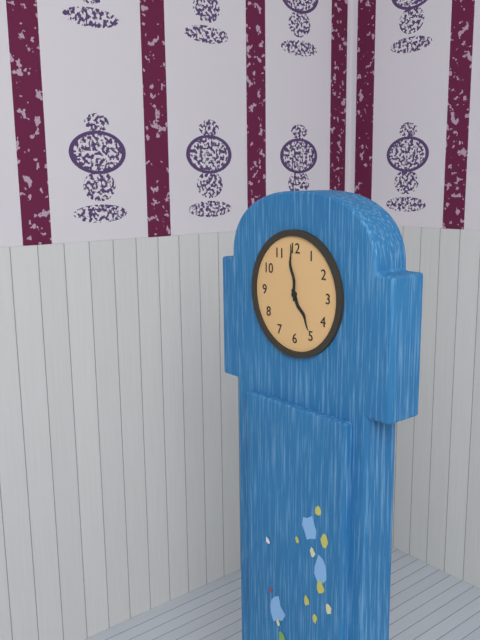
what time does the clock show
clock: 4:59
